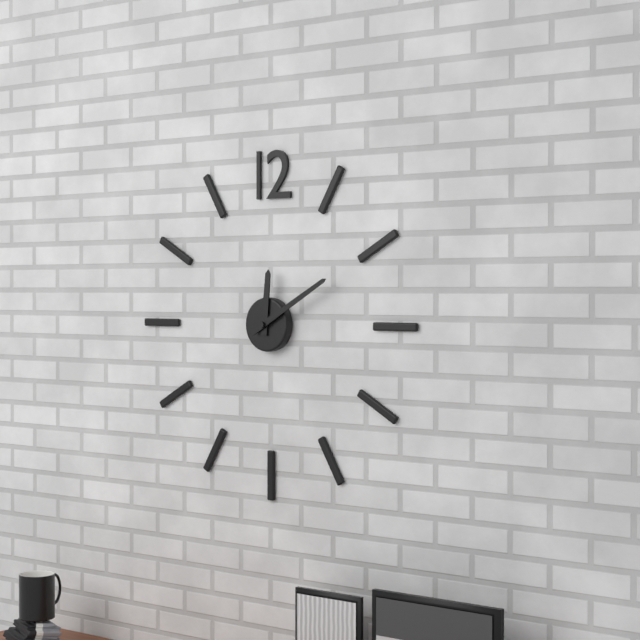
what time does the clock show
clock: 12:10
